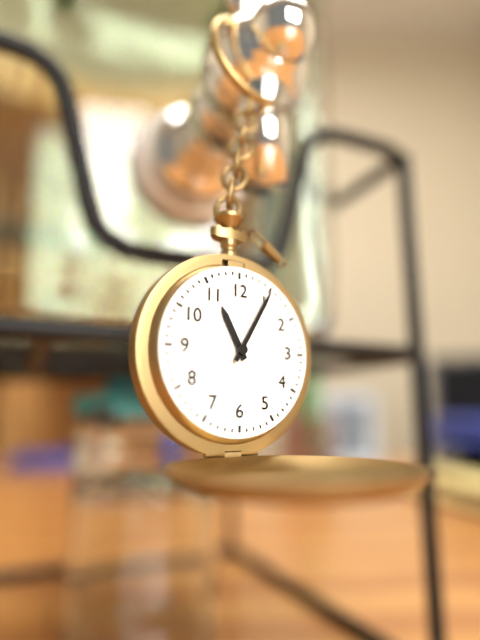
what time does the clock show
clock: 11:05
